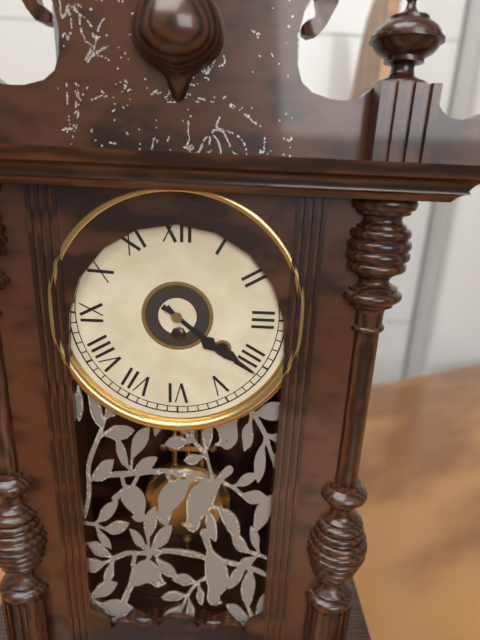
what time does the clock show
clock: 4:21
